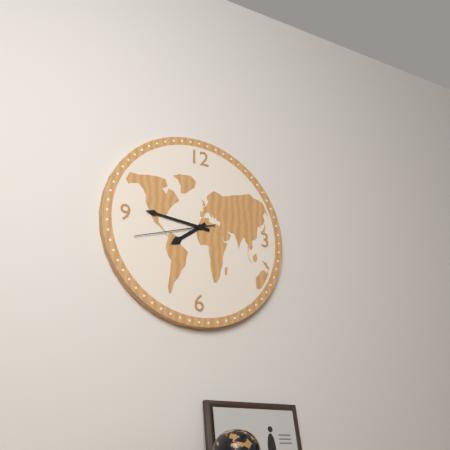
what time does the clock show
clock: 7:46:42
